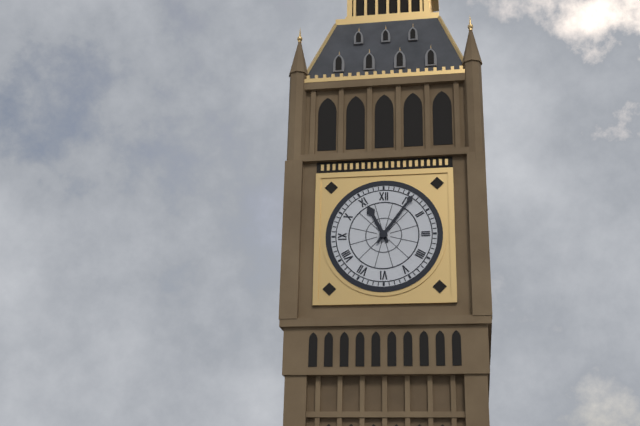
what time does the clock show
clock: 11:06
